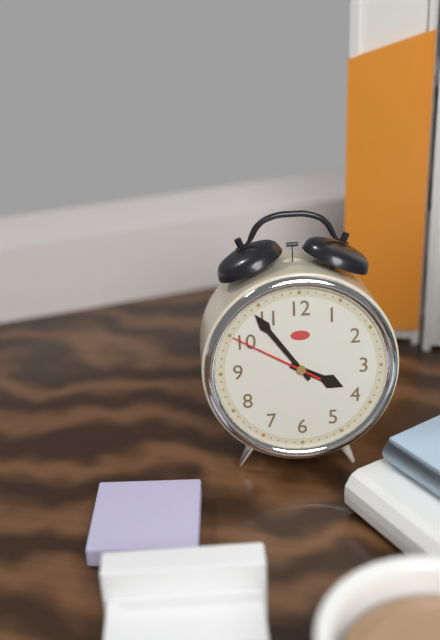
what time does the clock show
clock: 3:54:50
